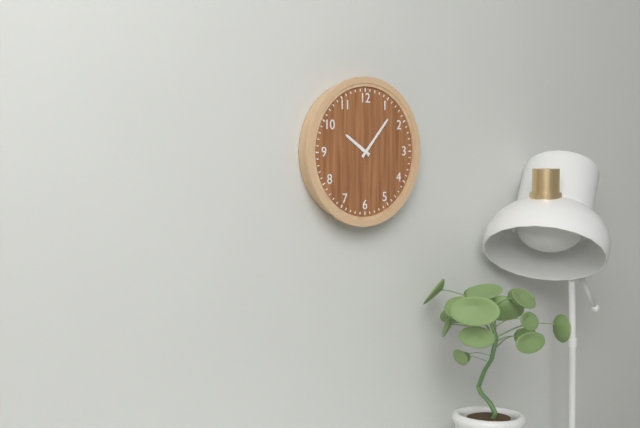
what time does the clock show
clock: 10:07
